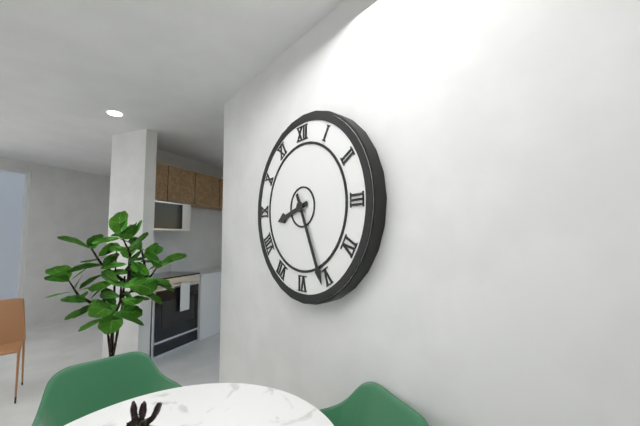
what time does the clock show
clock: 8:26
